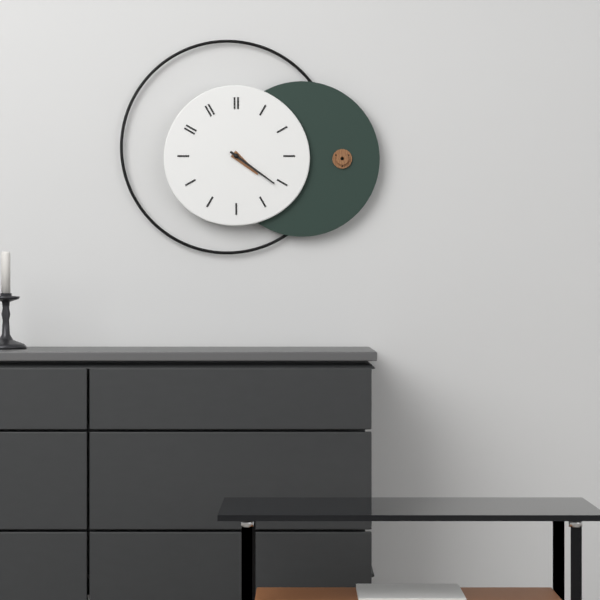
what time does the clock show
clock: 4:21
